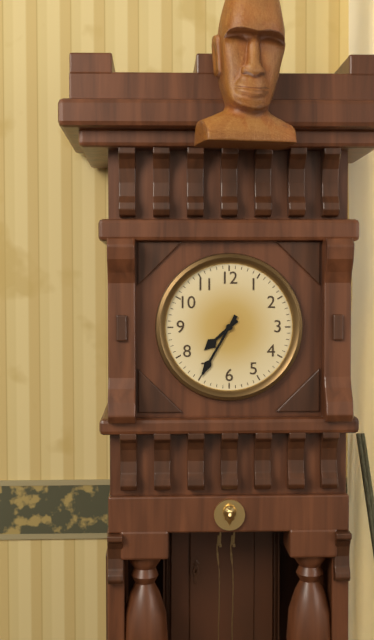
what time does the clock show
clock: 7:35
